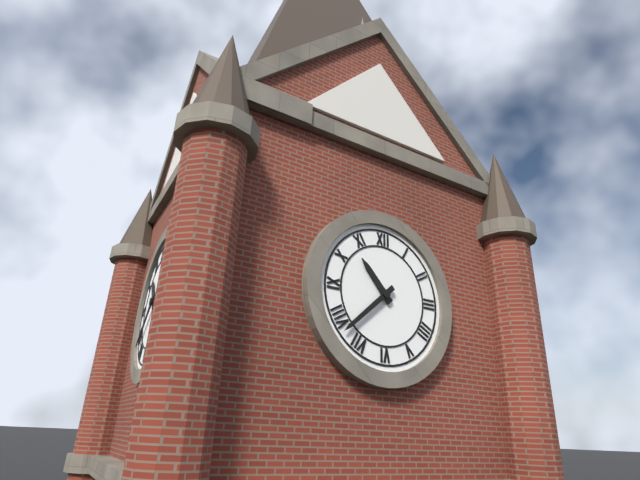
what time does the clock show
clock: 10:38
